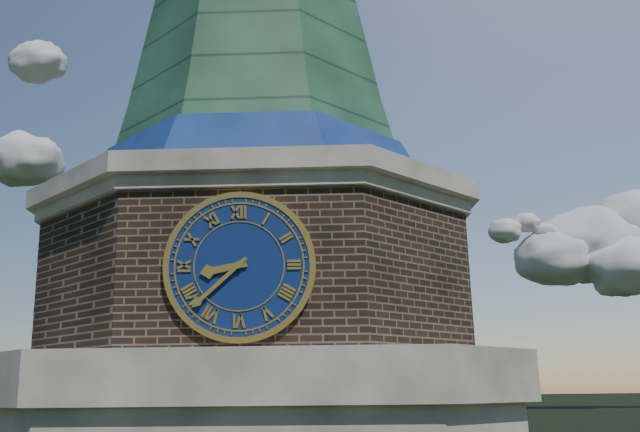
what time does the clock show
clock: 8:38
